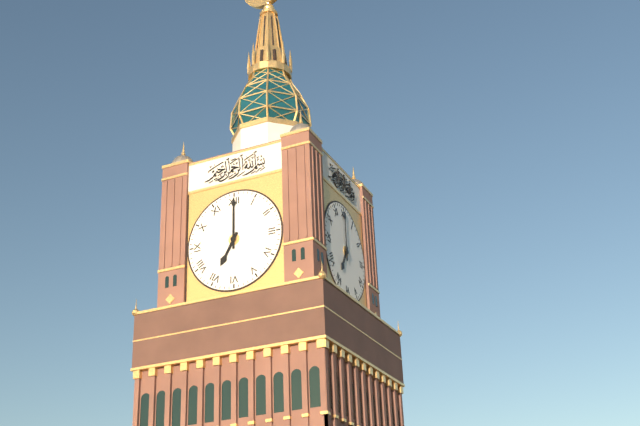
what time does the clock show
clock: 7:00
